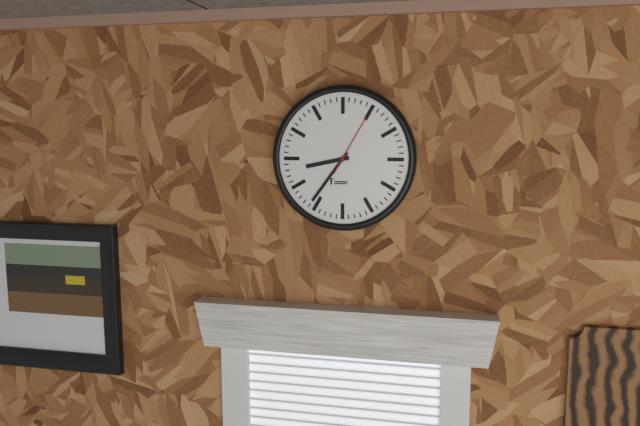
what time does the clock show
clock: 8:36:05
